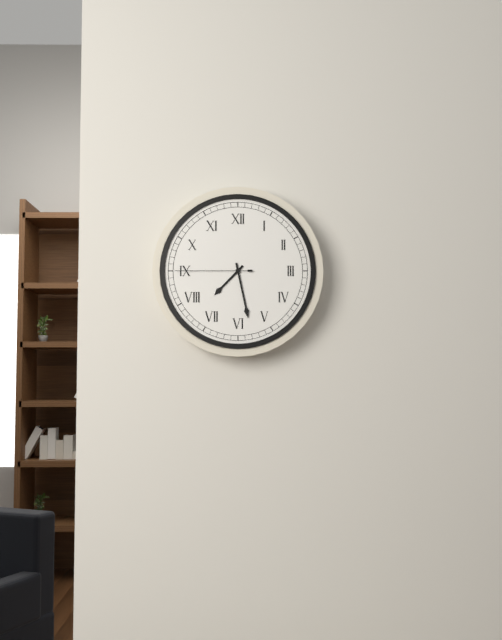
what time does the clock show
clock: 7:28:45
